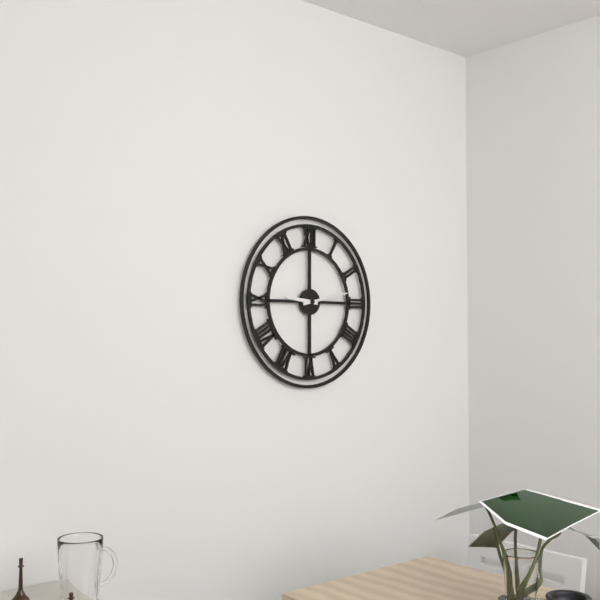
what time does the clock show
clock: 9:13
